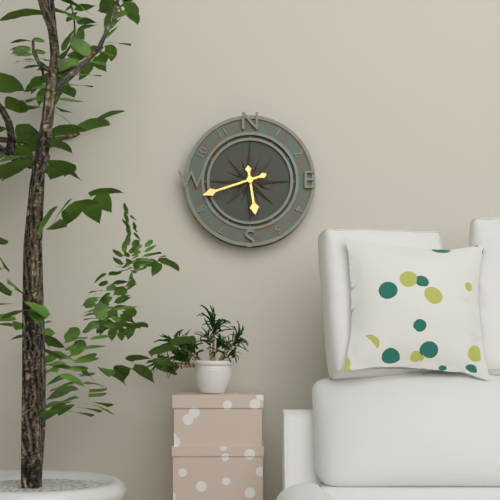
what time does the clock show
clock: 5:42
